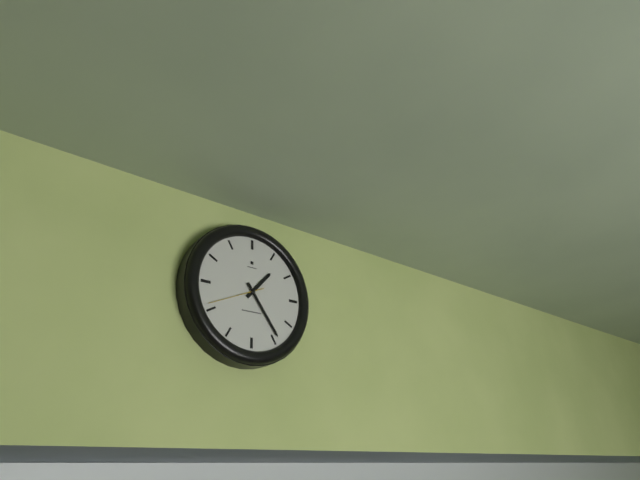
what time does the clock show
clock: 1:24
